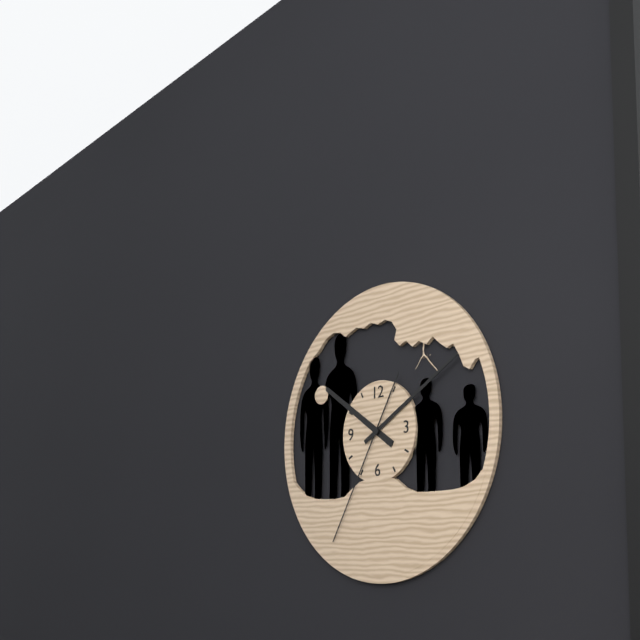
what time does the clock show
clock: 10:10:35
